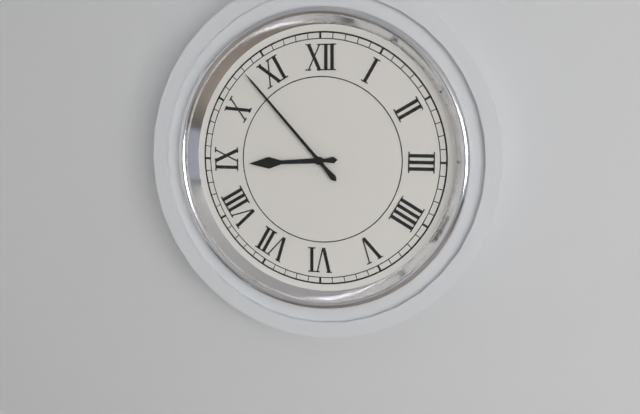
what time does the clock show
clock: 8:53
